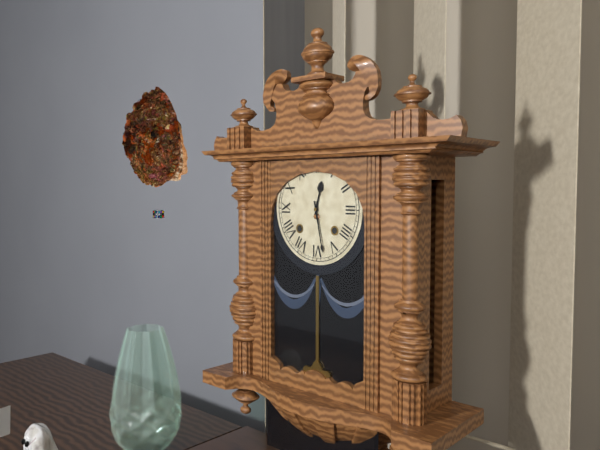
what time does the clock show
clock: 12:28
